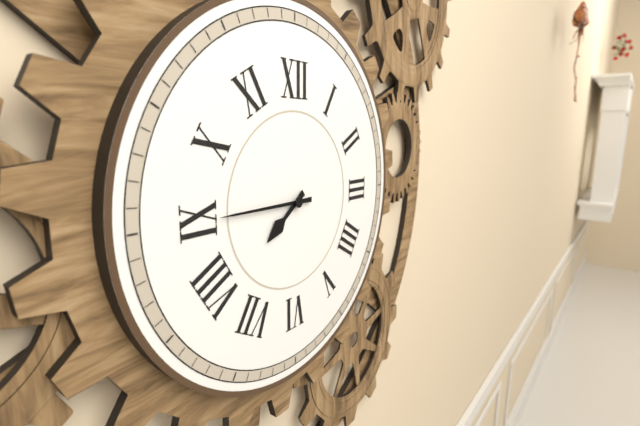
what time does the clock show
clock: 7:45
